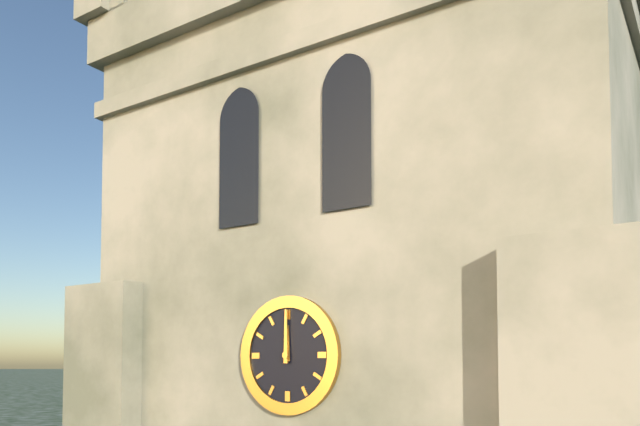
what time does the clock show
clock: 12:00
